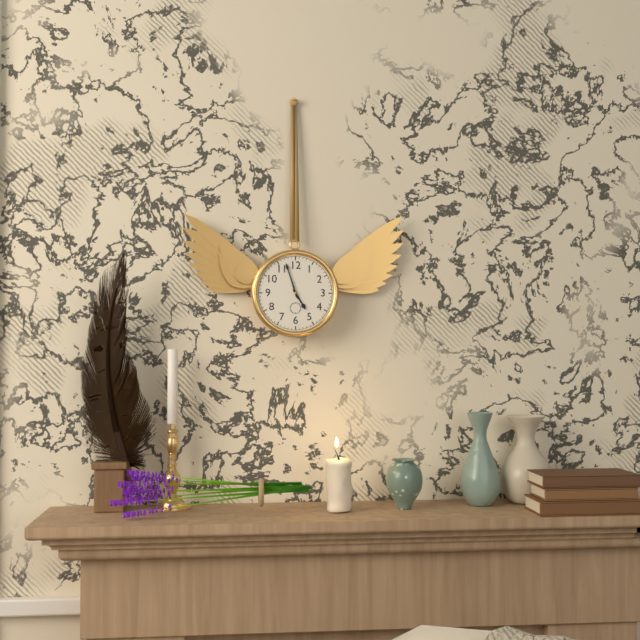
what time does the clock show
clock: 4:57
